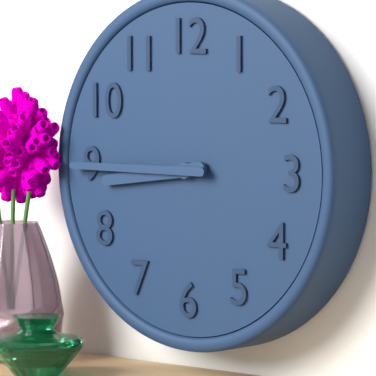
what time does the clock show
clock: 8:45
